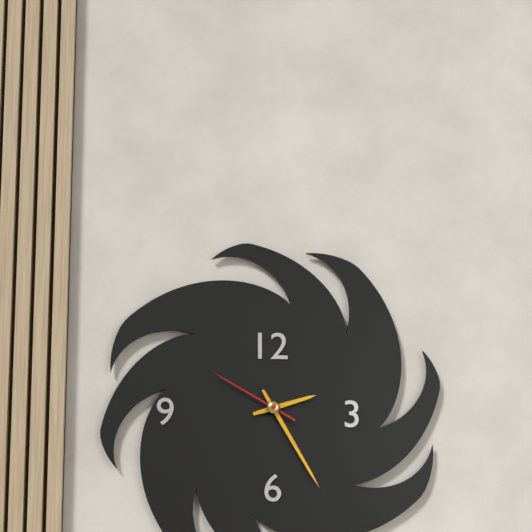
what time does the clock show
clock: 2:25:50
